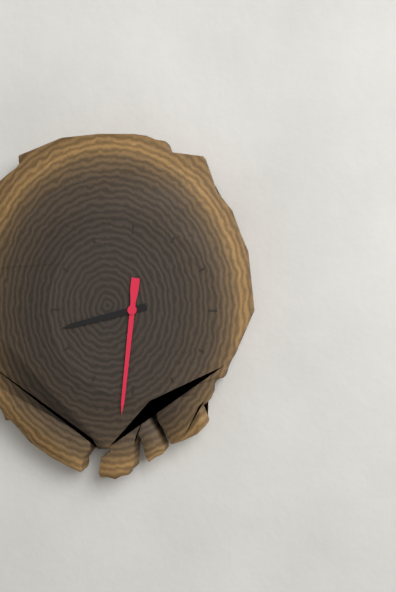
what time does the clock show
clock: 8:31
